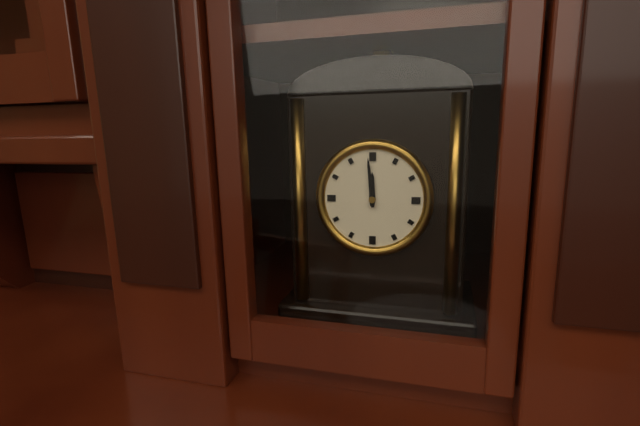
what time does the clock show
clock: 11:59
